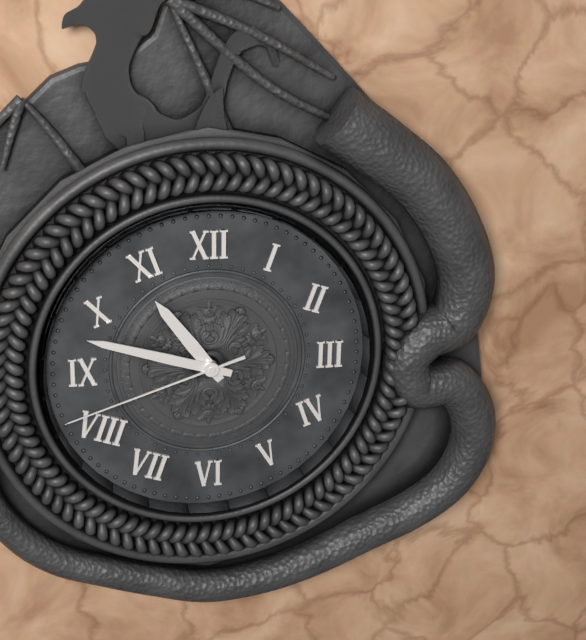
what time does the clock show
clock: 10:48:42
